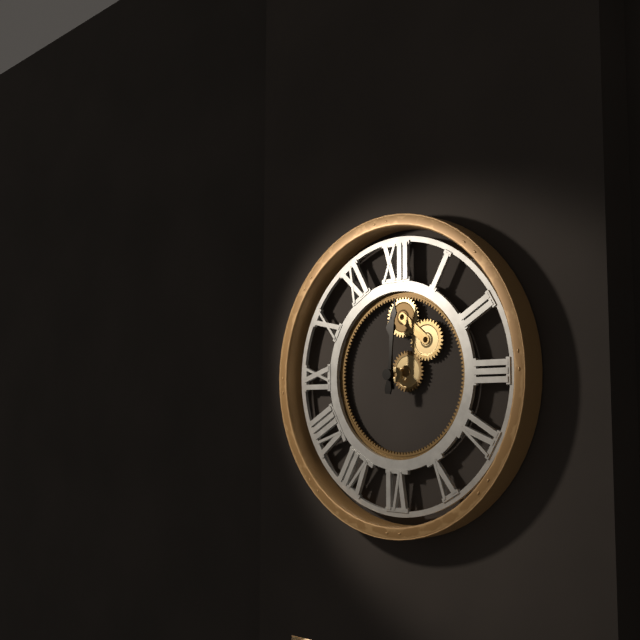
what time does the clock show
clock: 12:01
